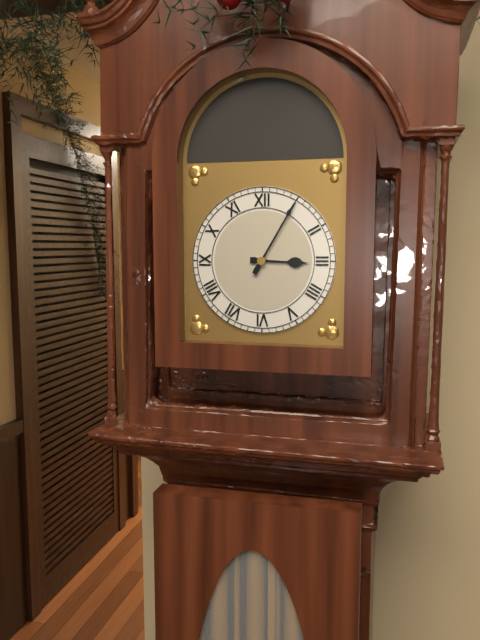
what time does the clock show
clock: 3:05
